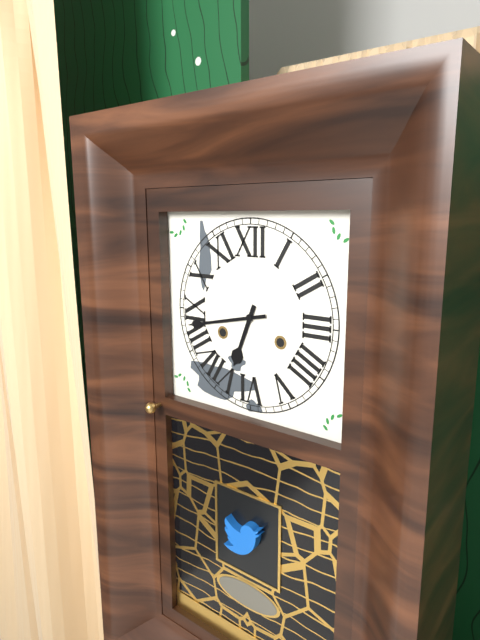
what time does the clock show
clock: 6:43
